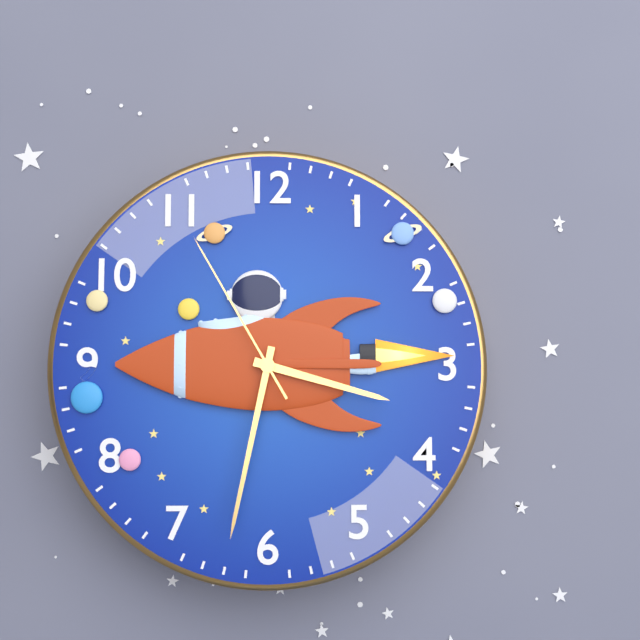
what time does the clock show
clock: 3:32:55
